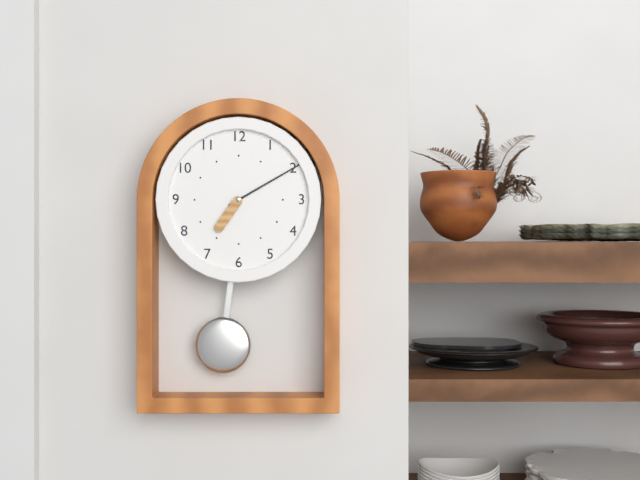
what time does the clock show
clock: 7:10
